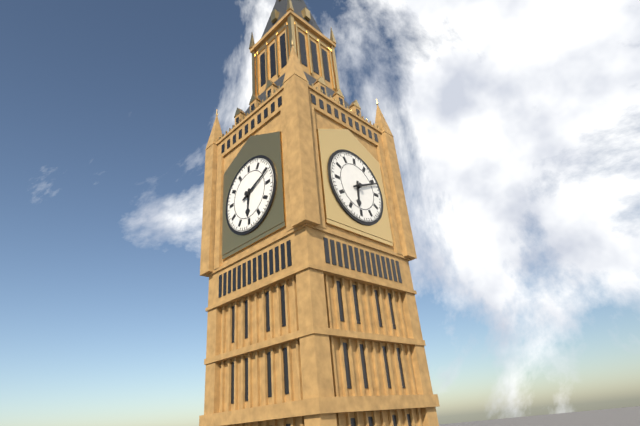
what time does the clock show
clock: 6:11
